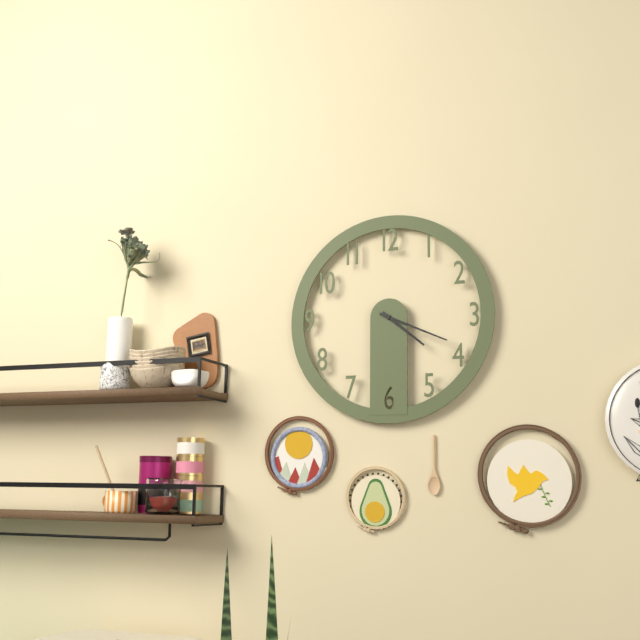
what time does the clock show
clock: 4:19
